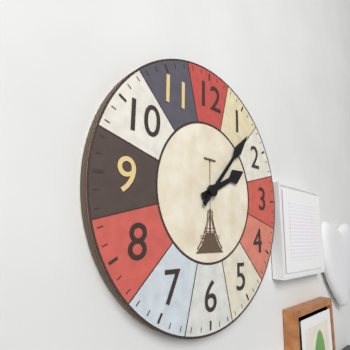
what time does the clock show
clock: 2:07
